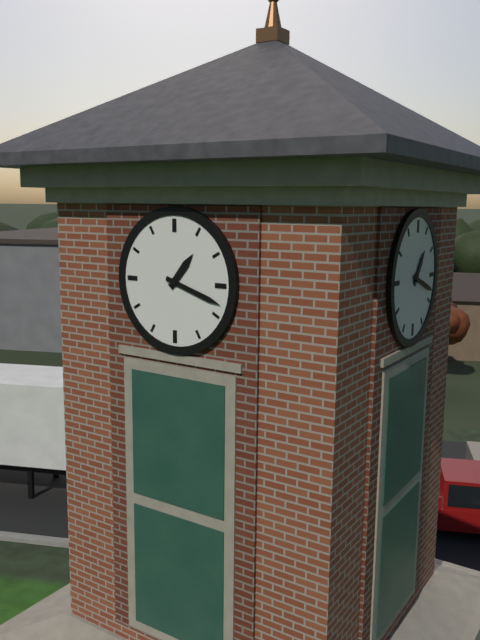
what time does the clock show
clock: 1:18
